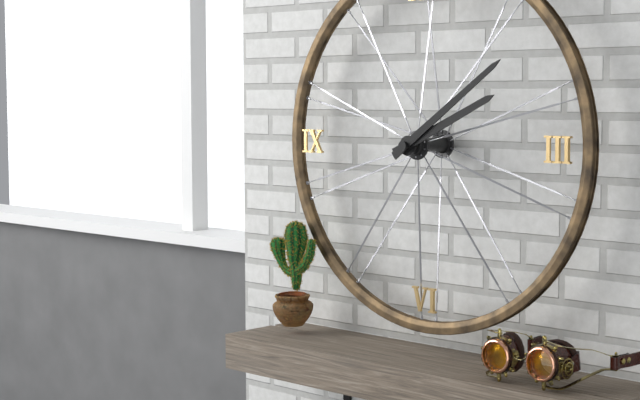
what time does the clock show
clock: 2:09
